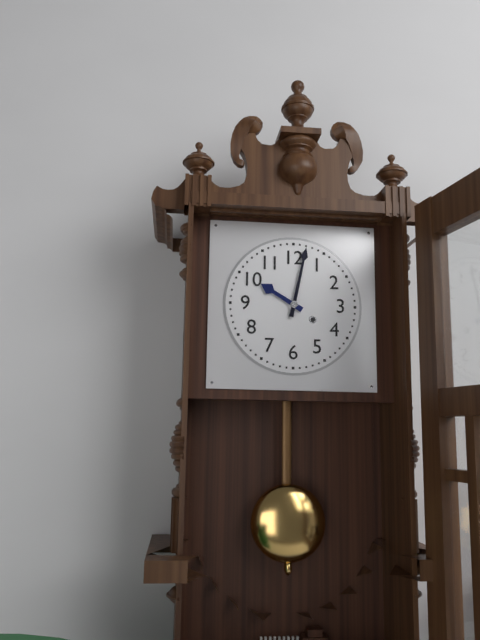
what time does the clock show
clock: 10:02
